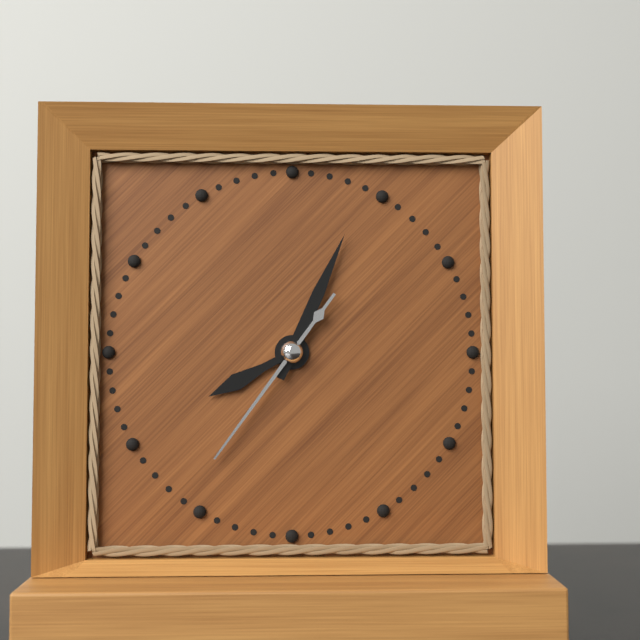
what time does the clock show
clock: 8:04:36
